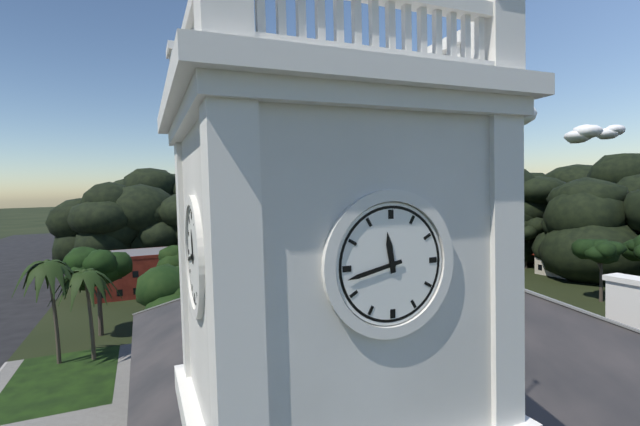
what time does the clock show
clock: 11:43
